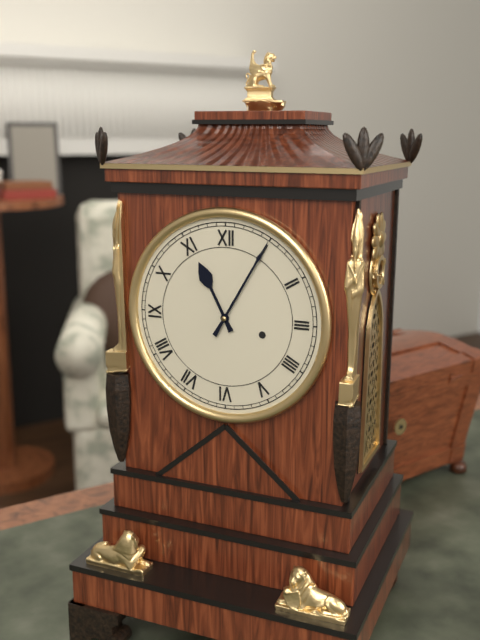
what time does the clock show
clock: 11:05
